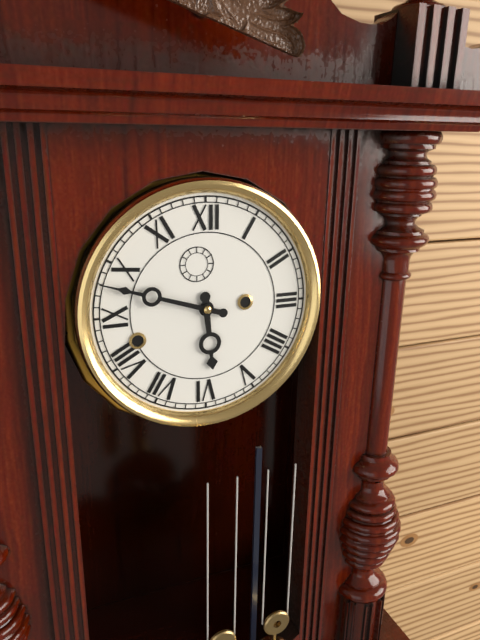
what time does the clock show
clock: 5:48
